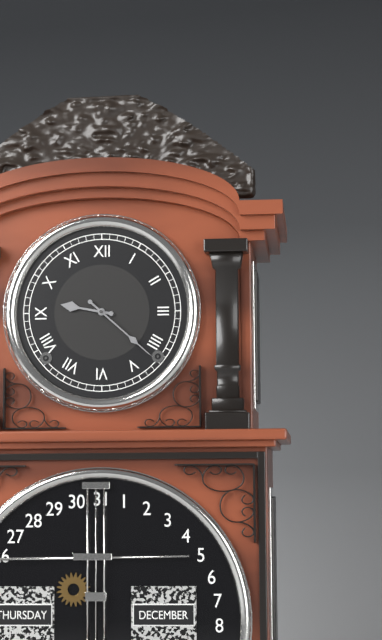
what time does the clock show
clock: 9:22
